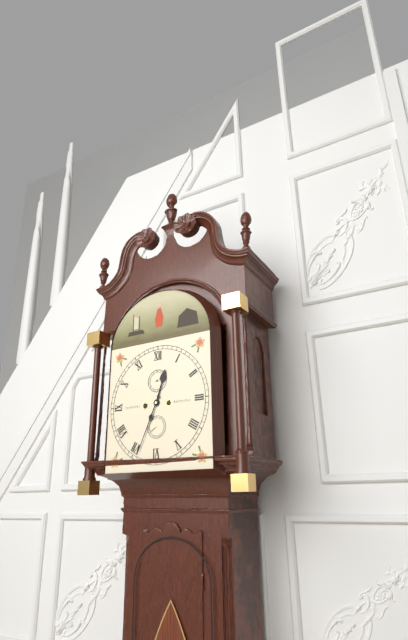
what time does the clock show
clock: 12:34
